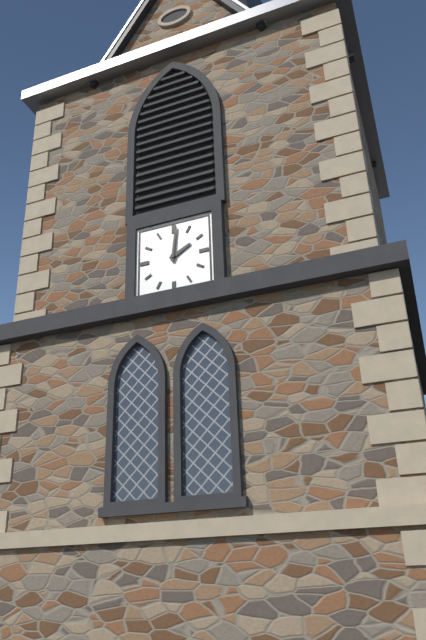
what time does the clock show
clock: 2:01
